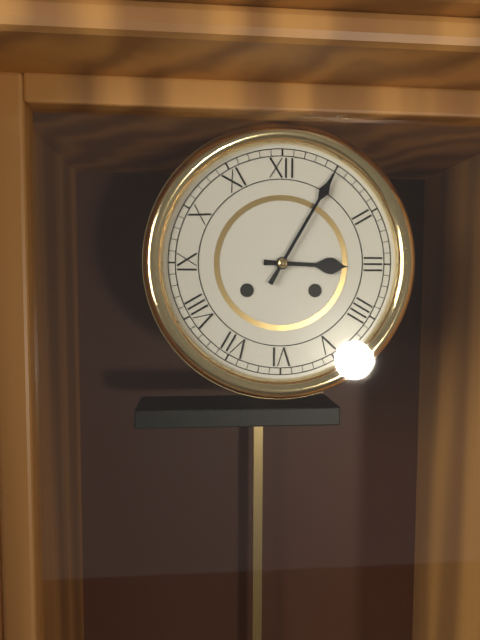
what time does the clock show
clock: 3:05
